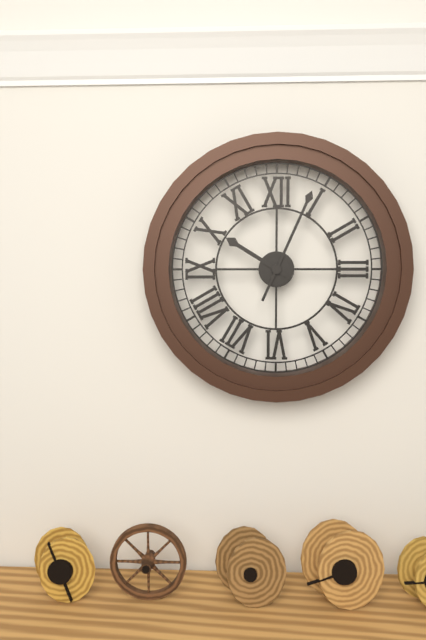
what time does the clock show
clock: 10:04
